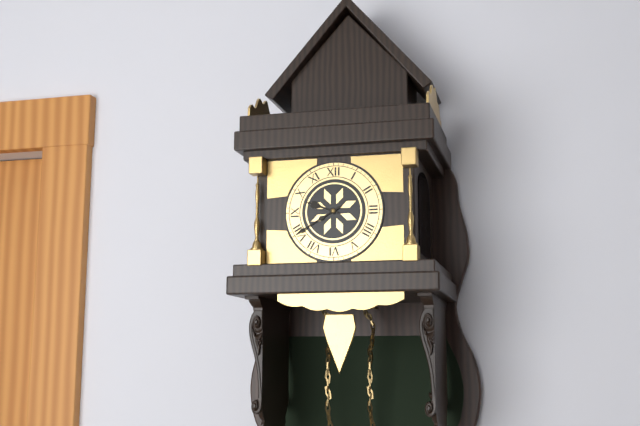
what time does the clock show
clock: 9:40
